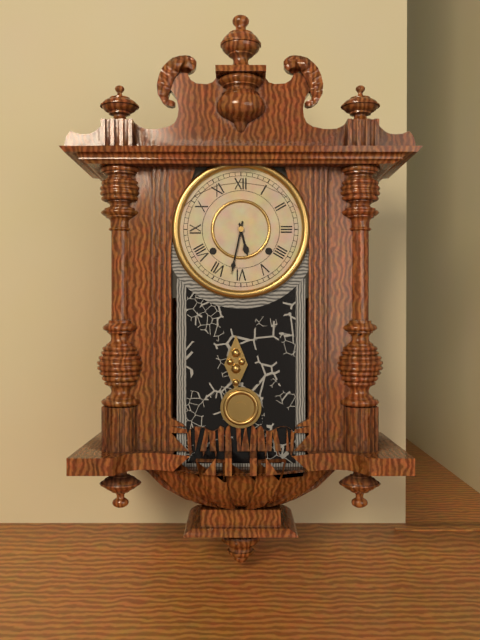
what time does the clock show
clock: 5:32
